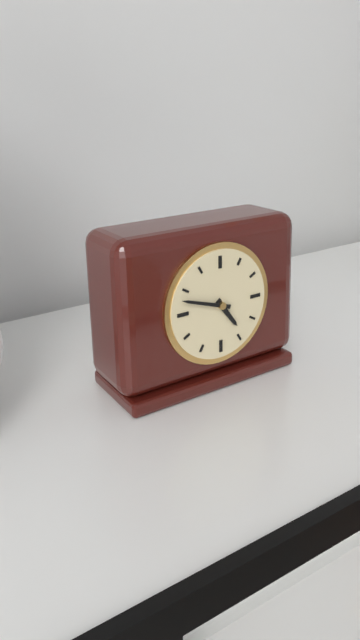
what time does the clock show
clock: 4:48
